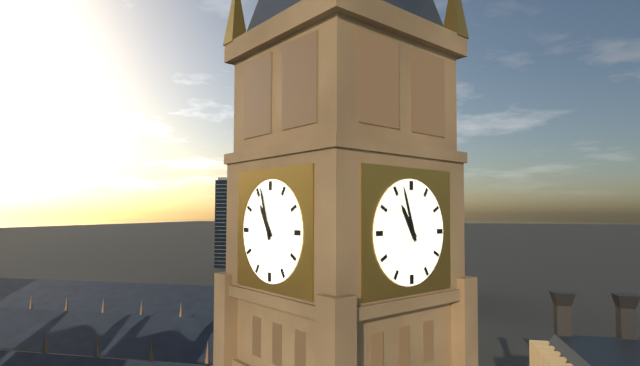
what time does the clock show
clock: 10:57
